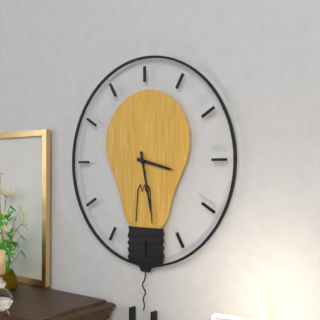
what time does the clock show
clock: 3:28
